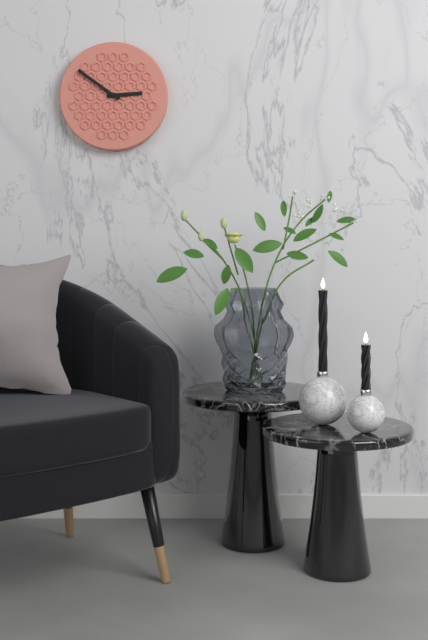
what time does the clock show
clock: 2:51
